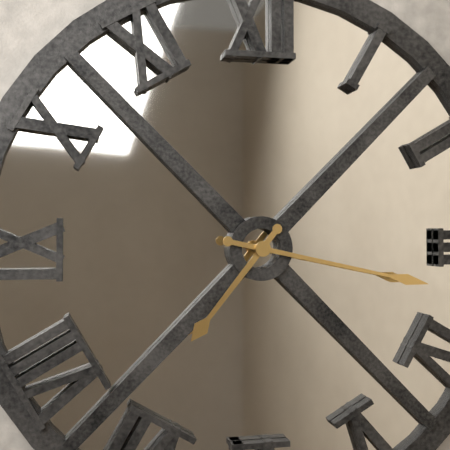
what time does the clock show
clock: 7:17
